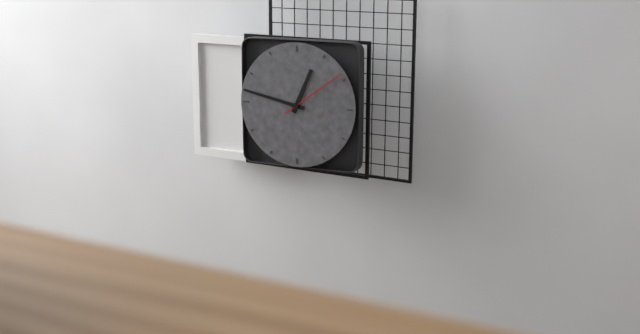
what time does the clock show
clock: 12:47:09
